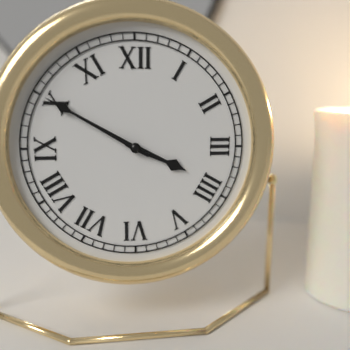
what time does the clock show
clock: 3:50
